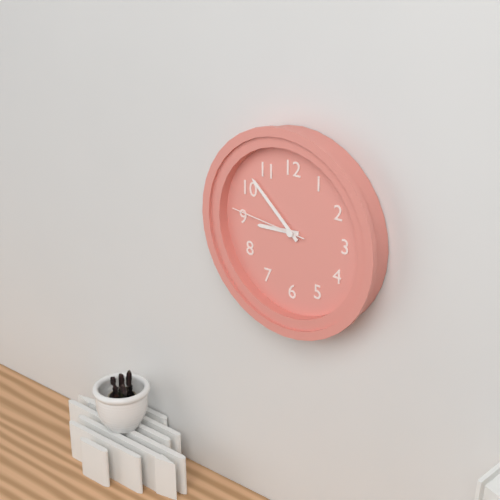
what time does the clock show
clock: 8:52:46
